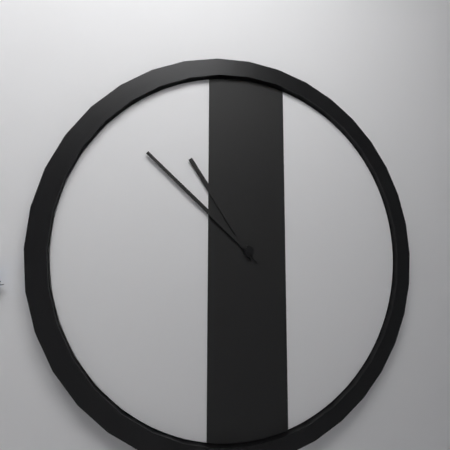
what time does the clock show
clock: 10:52
